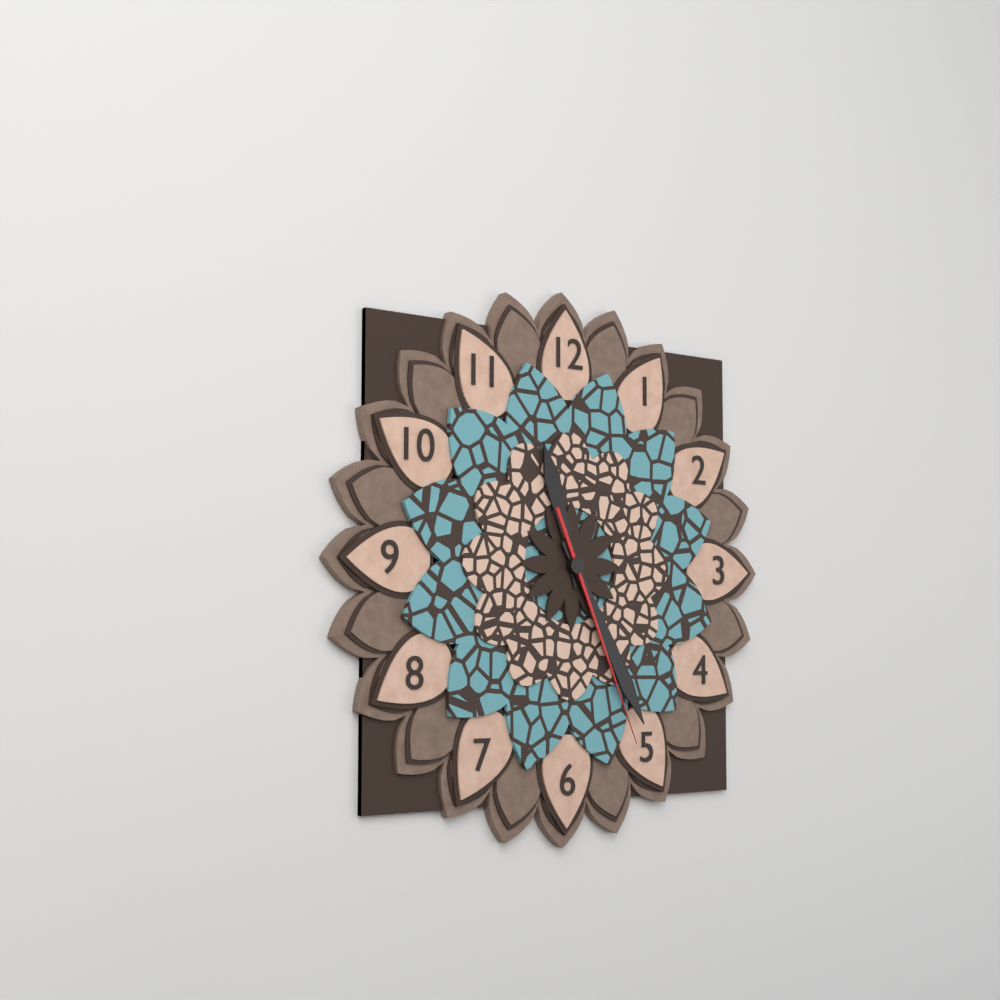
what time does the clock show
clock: 11:25:26
